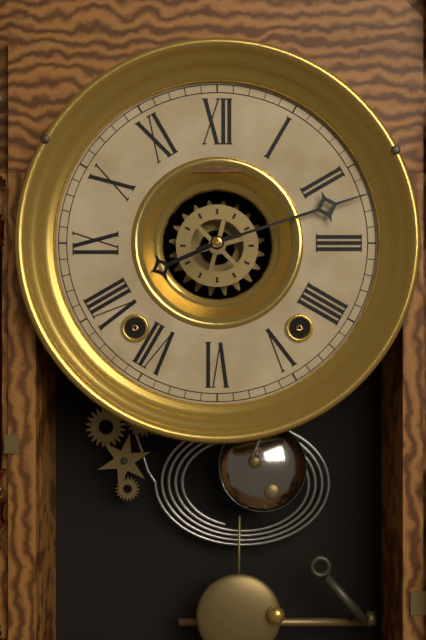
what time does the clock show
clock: 8:12
